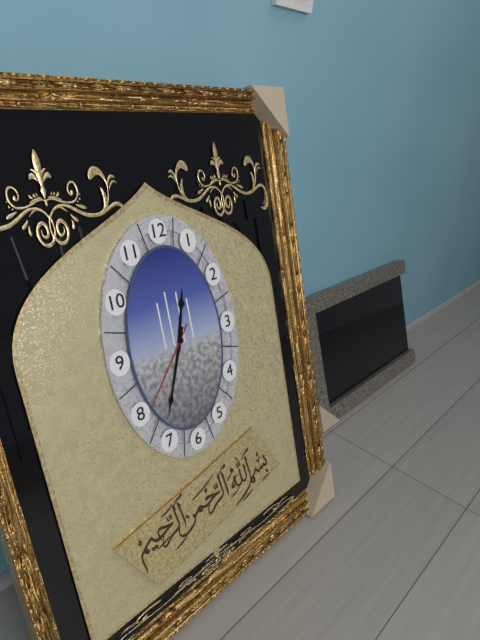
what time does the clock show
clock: 12:34:37
